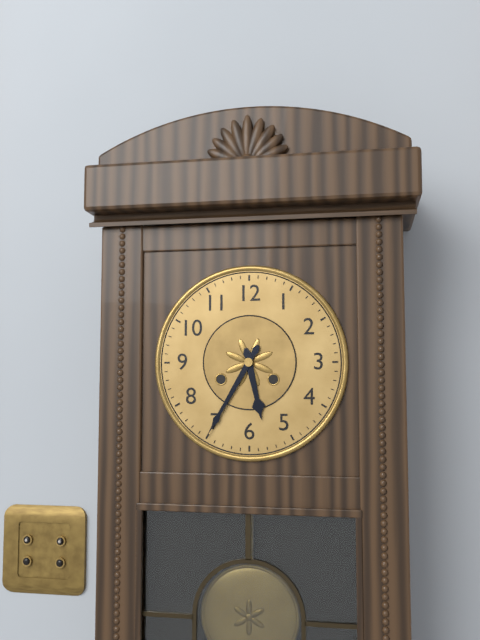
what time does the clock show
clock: 5:35
